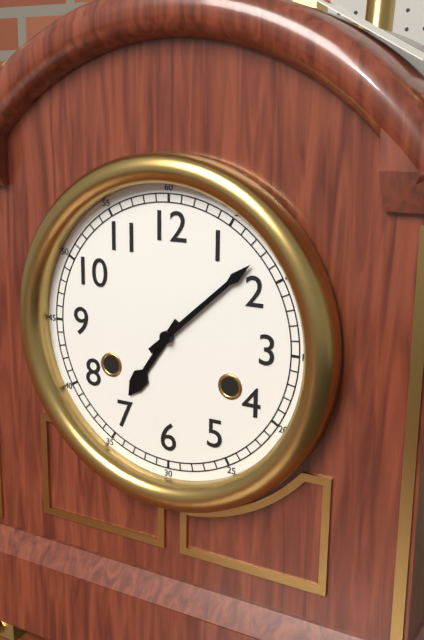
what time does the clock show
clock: 7:08
